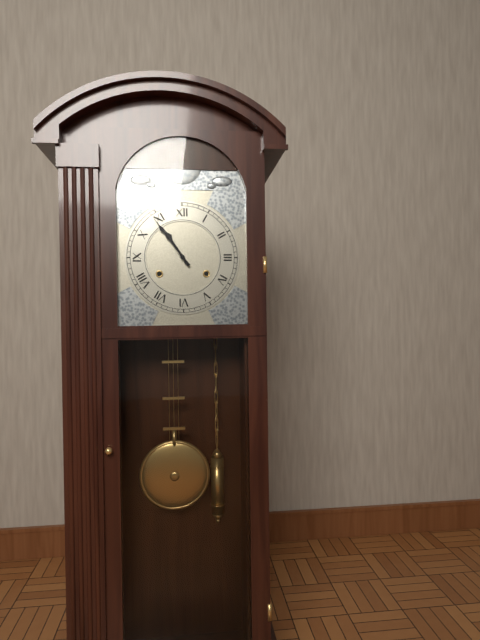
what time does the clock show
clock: 10:54
